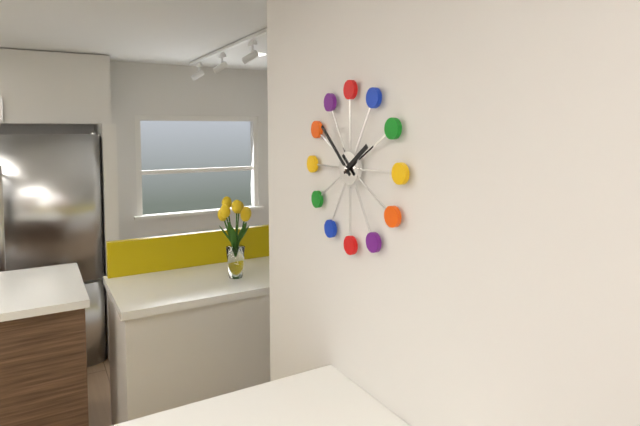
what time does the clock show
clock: 1:52
